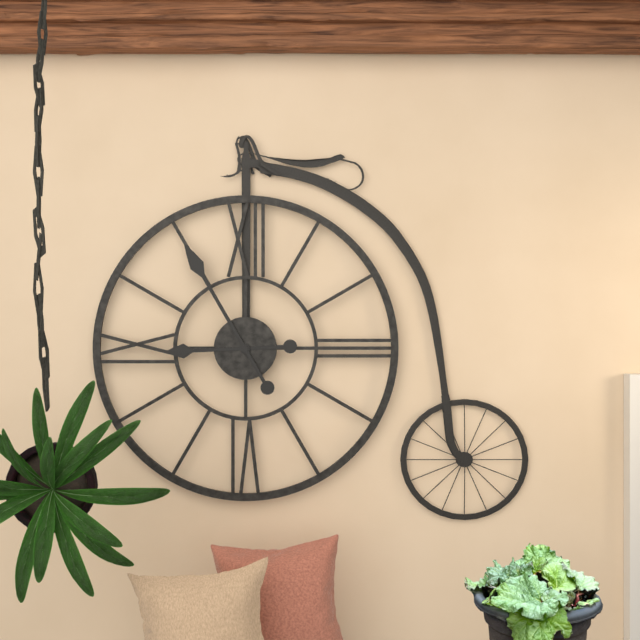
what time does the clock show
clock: 8:55
